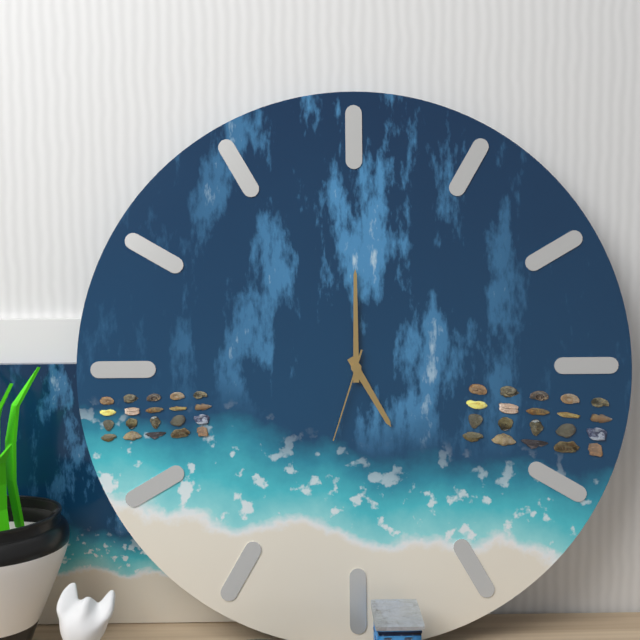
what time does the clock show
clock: 5:00:33
